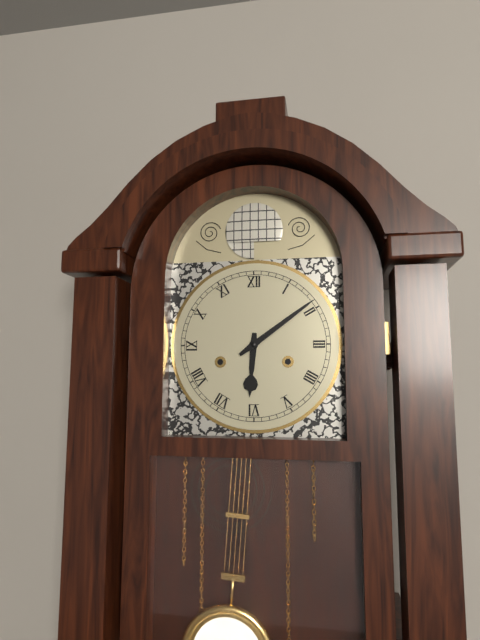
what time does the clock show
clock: 6:09
